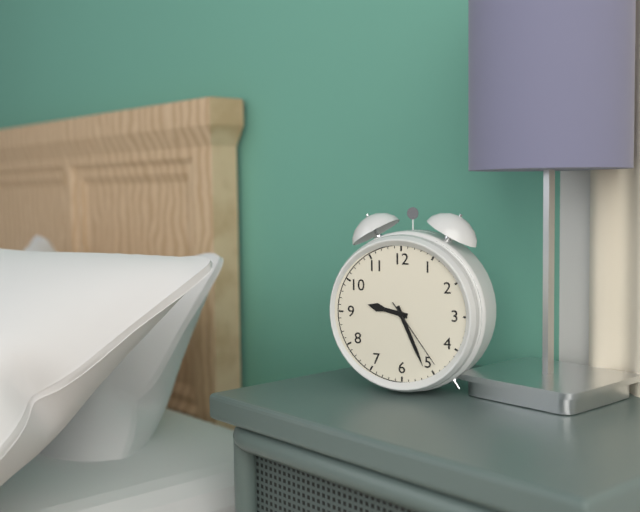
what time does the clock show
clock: 9:26:24
